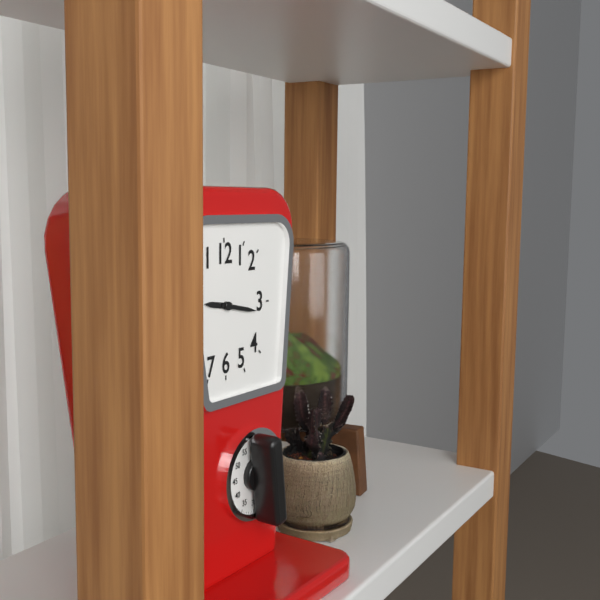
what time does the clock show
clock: 9:17
